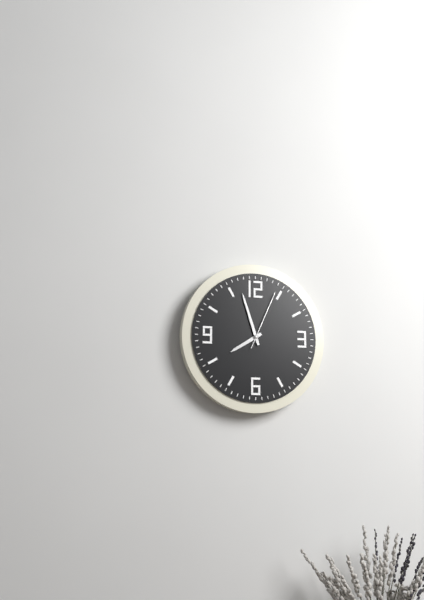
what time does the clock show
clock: 7:57:04
